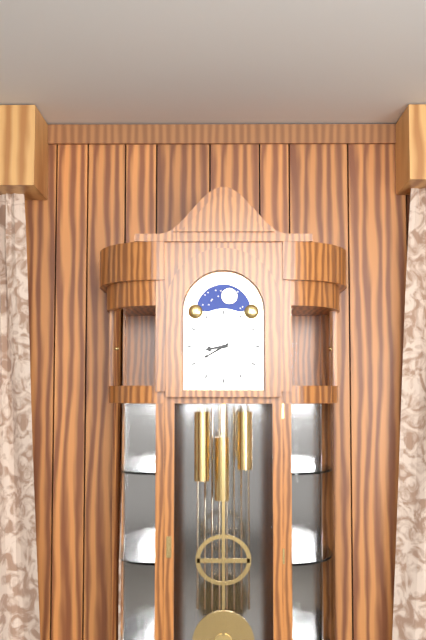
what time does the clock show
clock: 8:40
